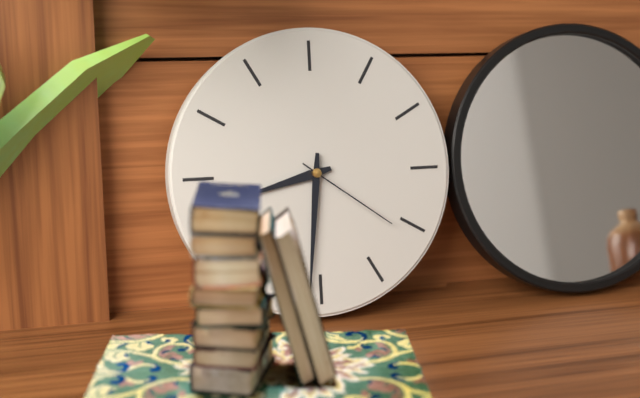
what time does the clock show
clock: 8:31:21
